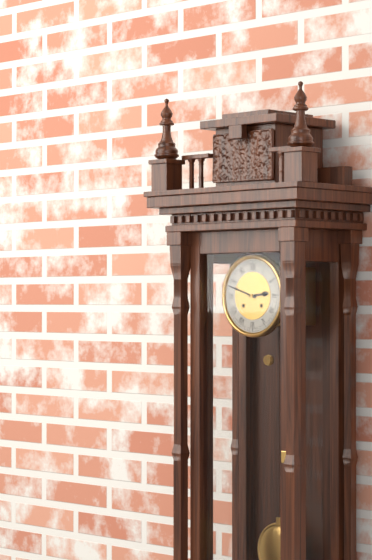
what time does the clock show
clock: 2:48
